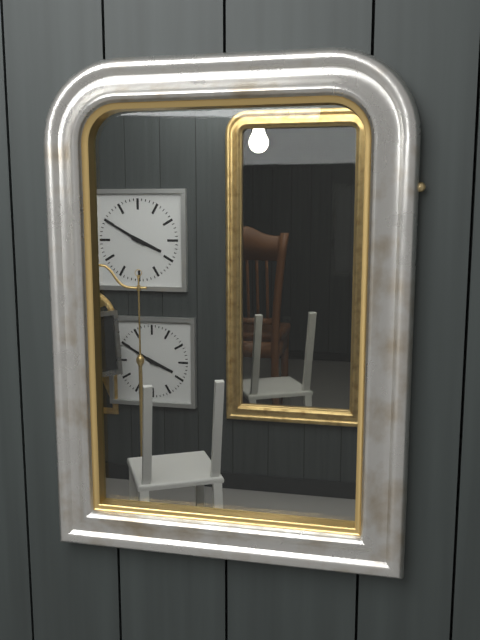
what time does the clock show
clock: 3:50
